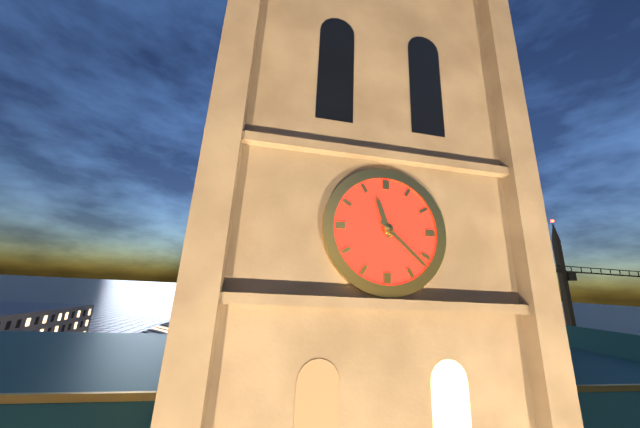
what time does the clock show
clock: 11:22
